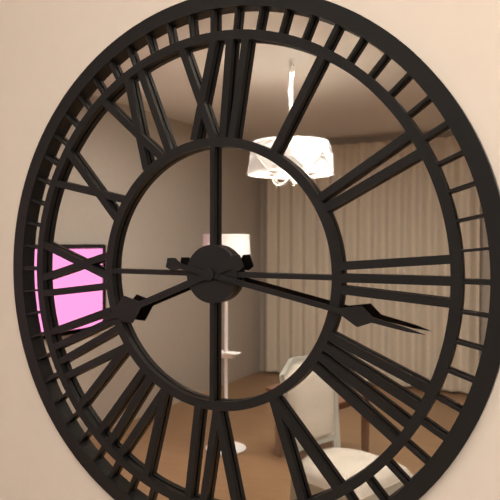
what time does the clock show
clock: 8:17
